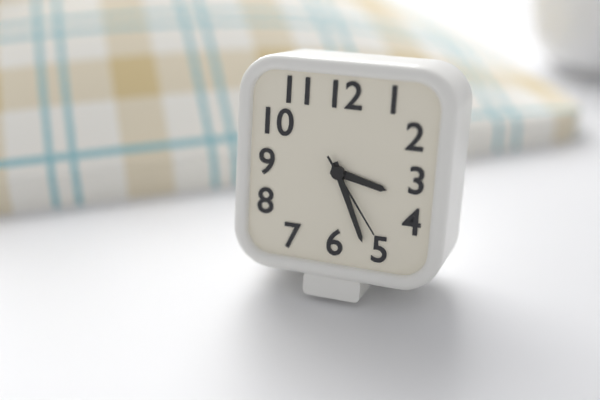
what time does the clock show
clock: 3:26:24
